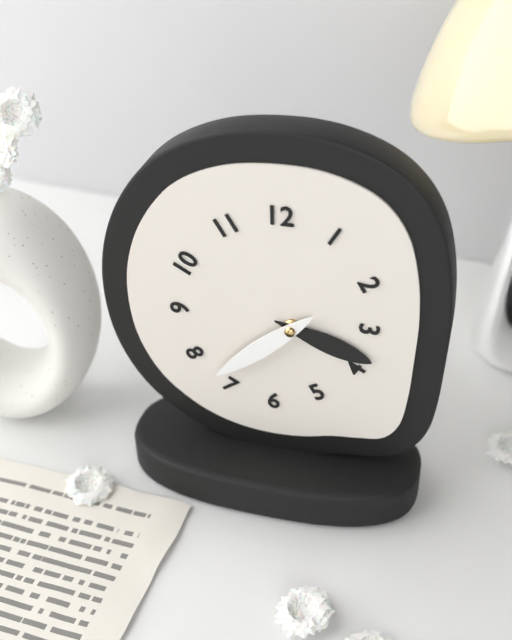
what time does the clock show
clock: 3:38
